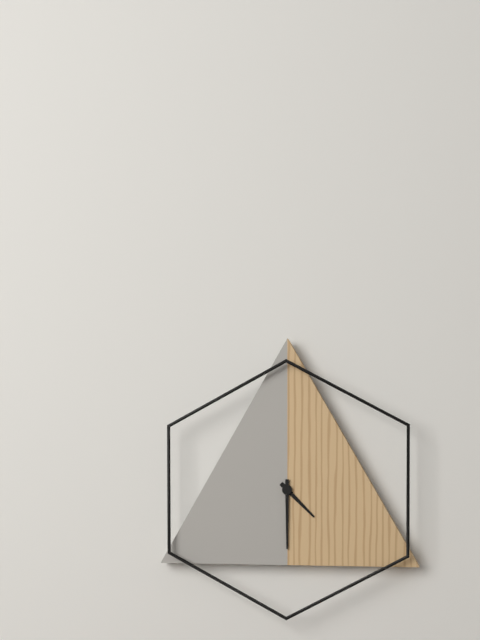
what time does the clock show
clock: 4:30
